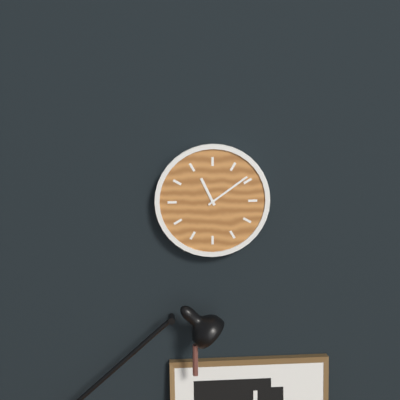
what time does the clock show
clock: 11:09
